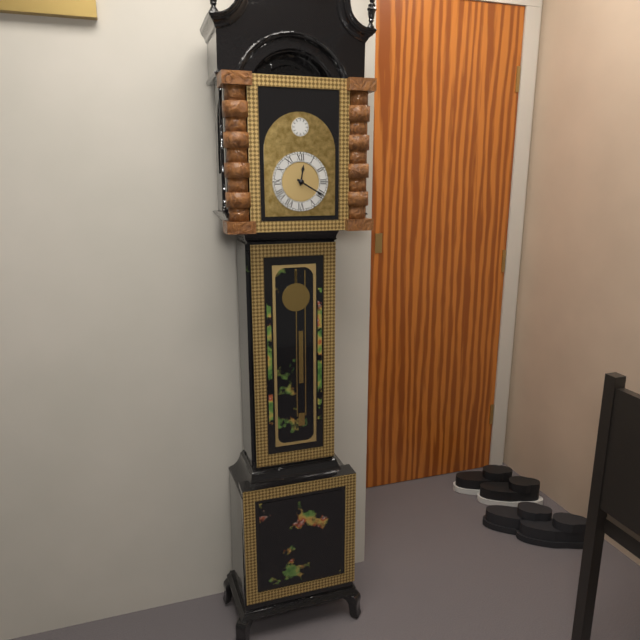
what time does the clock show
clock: 12:20
